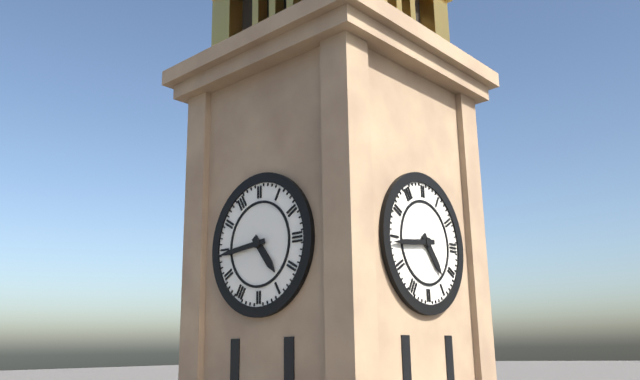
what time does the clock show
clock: 4:44
